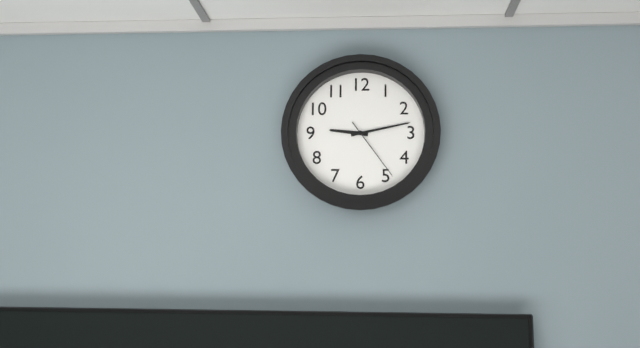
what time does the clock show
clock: 9:13:24
